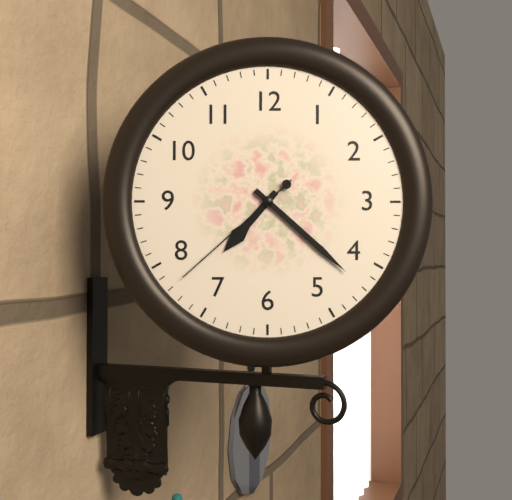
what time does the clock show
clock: 7:22:38
